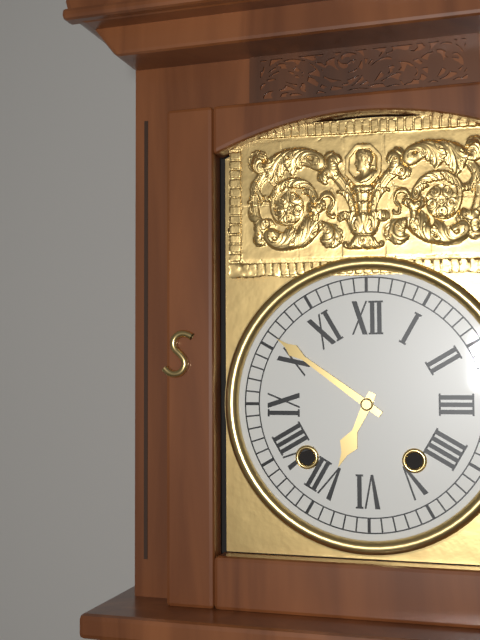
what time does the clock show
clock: 6:51
